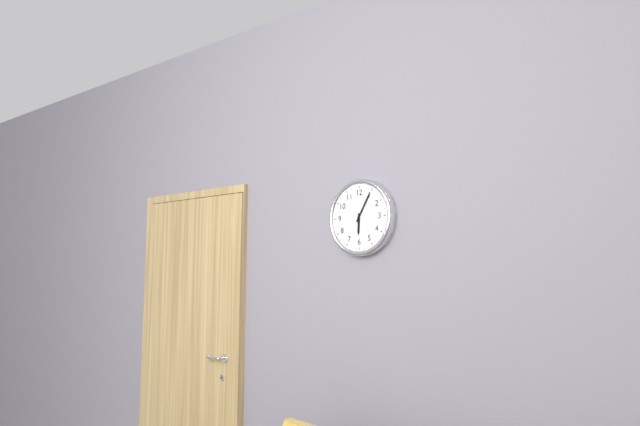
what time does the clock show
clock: 6:05
